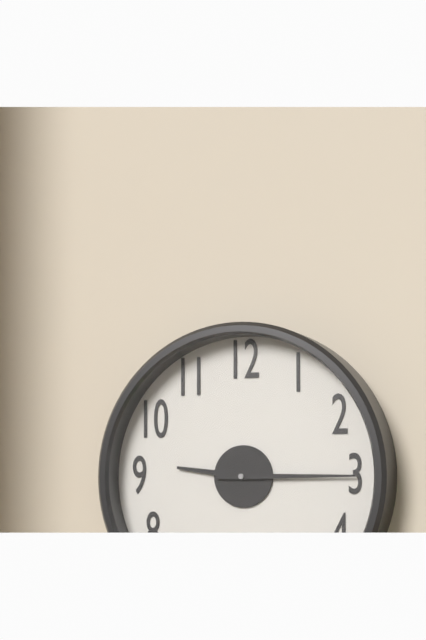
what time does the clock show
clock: 9:15
